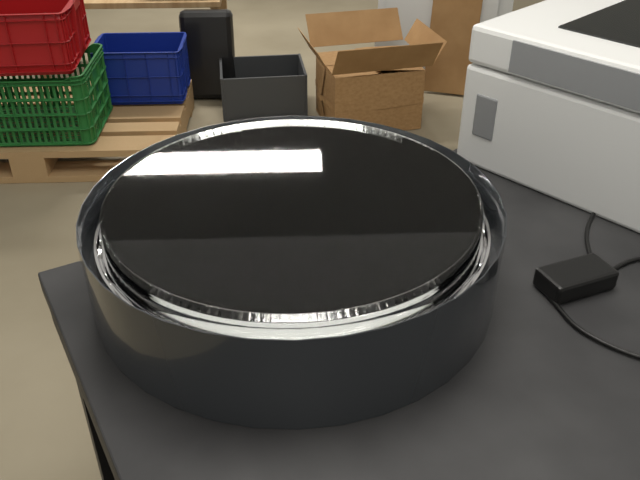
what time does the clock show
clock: 5:25
